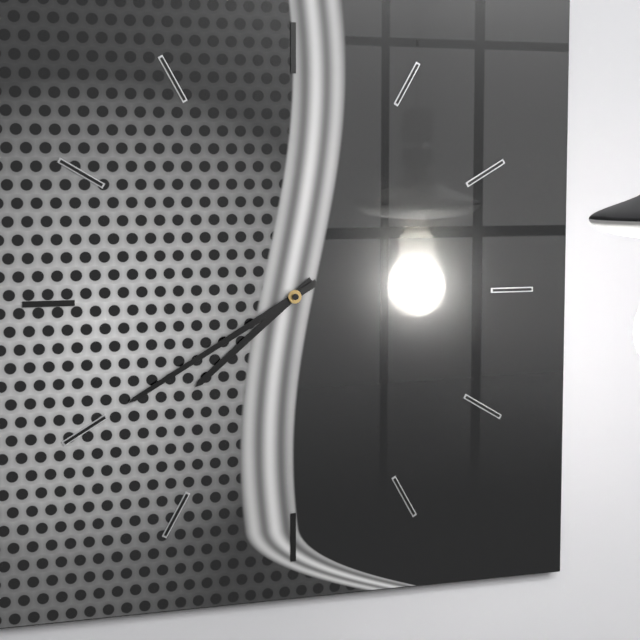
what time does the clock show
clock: 7:40
